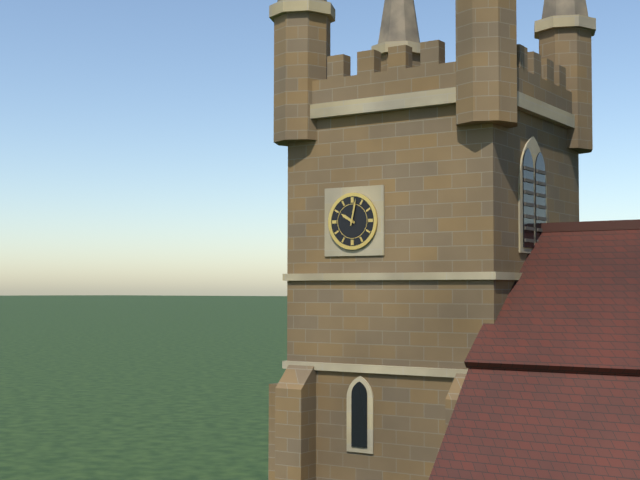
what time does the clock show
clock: 10:02
